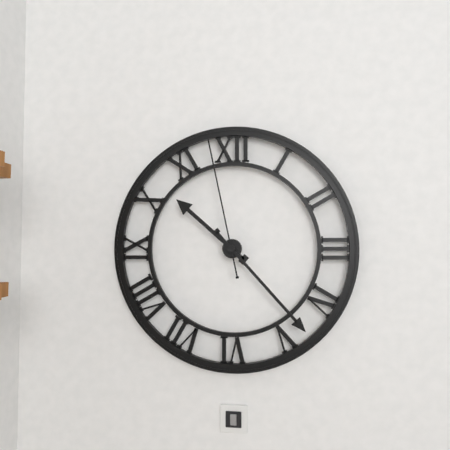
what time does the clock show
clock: 10:23:58
